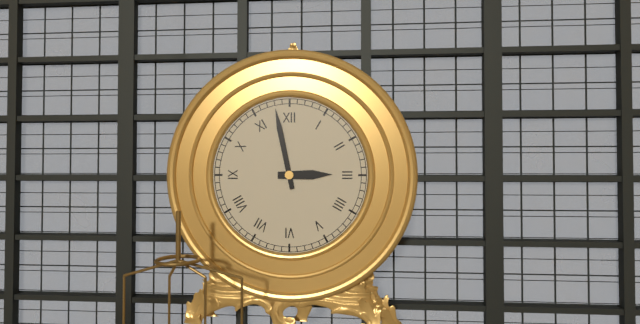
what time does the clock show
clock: 2:58
